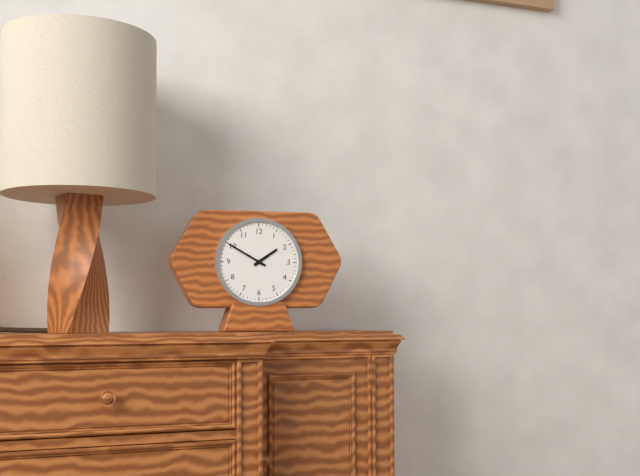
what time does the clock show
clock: 1:50
